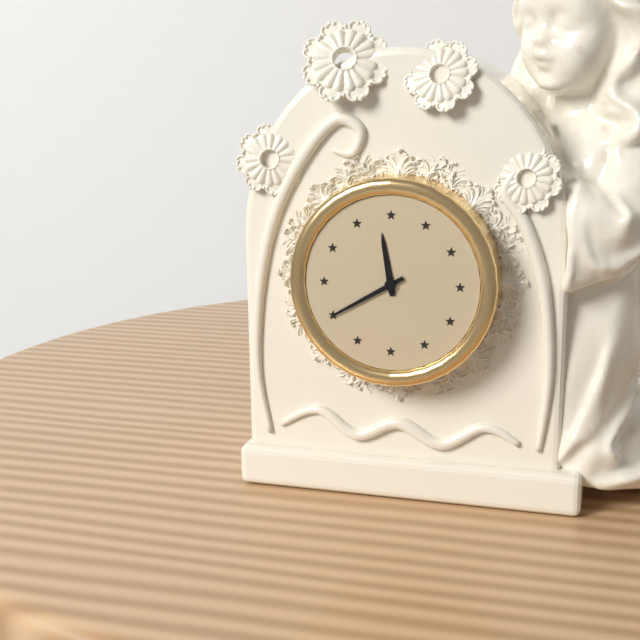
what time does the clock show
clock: 11:40
